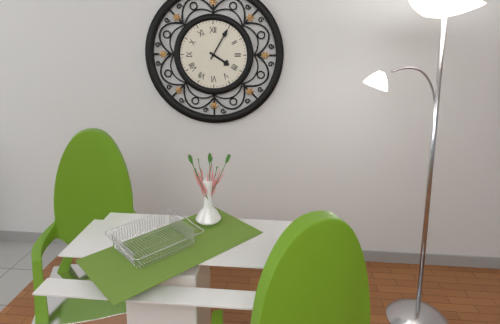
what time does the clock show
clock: 4:05
